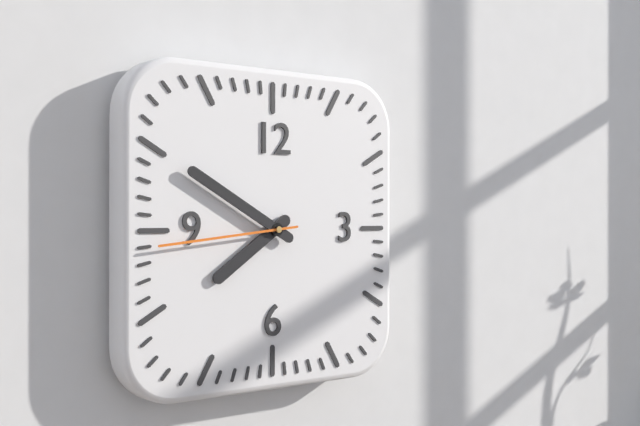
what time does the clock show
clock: 7:50:44
